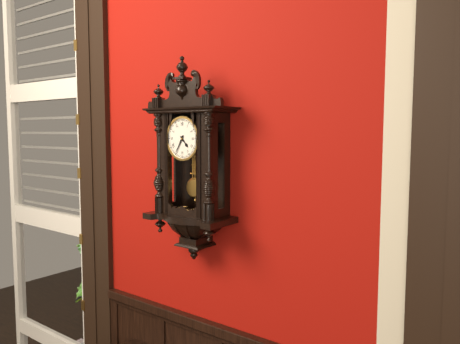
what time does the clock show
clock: 4:35
